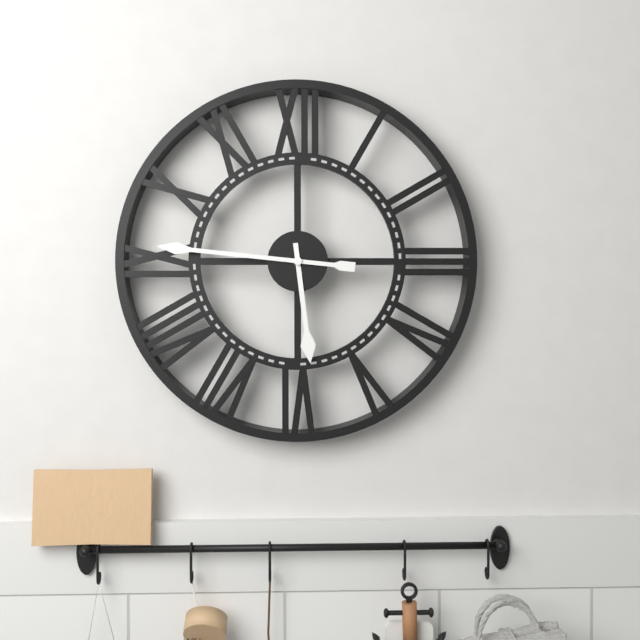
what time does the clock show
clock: 5:46
